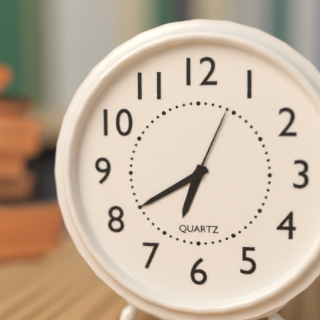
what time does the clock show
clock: 6:40:04
